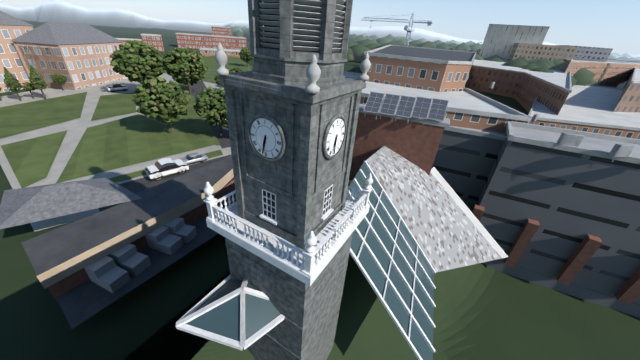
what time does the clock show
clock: 6:32
